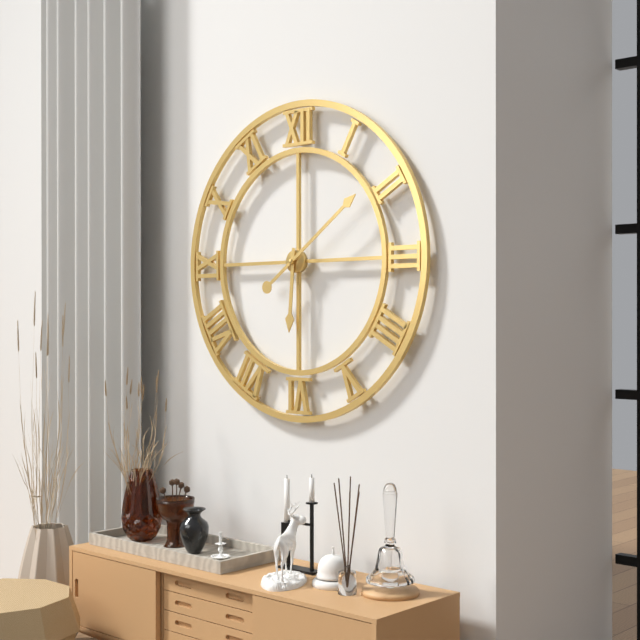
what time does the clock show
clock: 6:09
